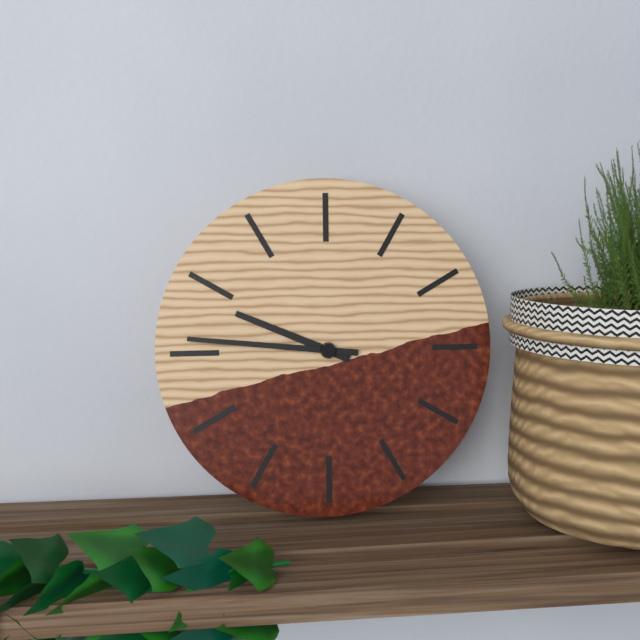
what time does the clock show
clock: 9:46
